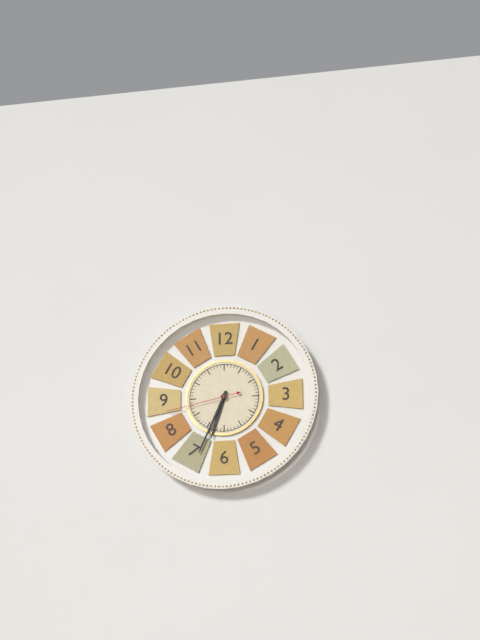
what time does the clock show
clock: 6:34:43
